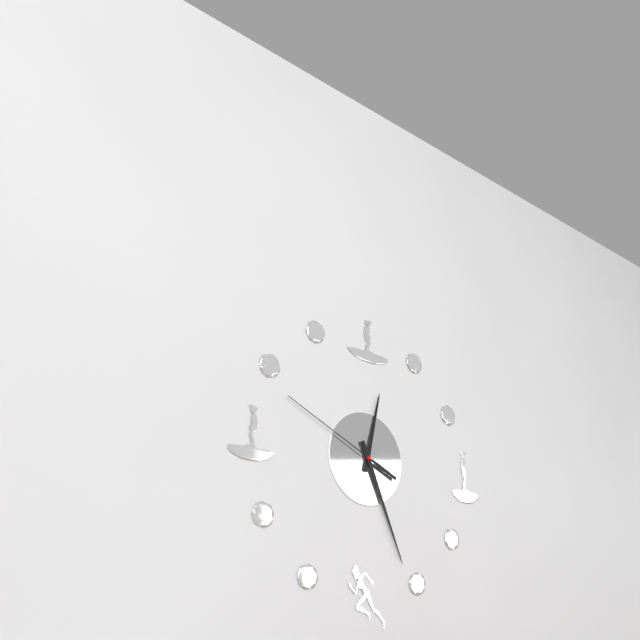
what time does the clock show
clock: 12:26:49
